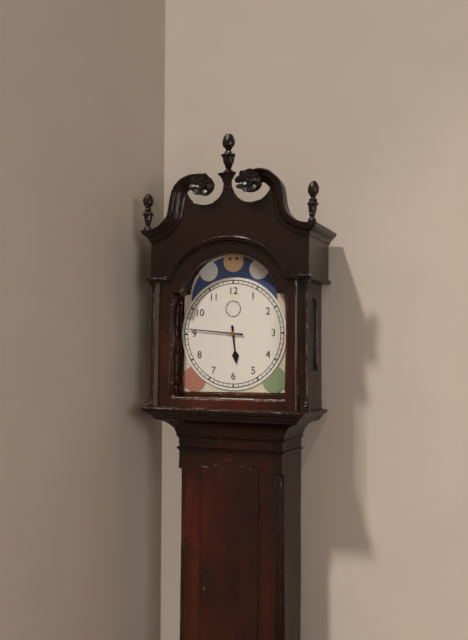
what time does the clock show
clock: 5:46
